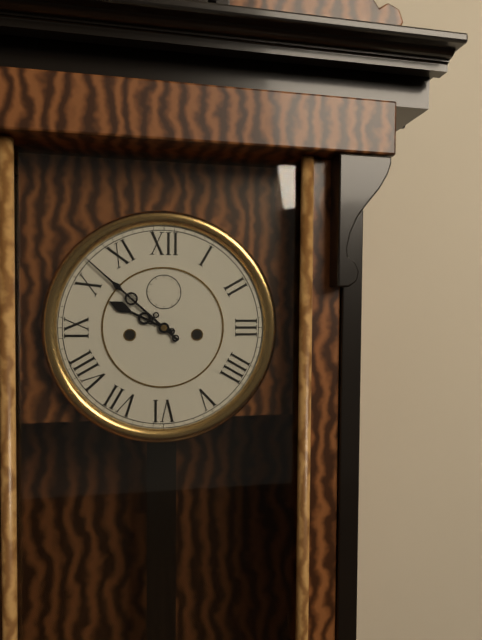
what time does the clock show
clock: 9:52
